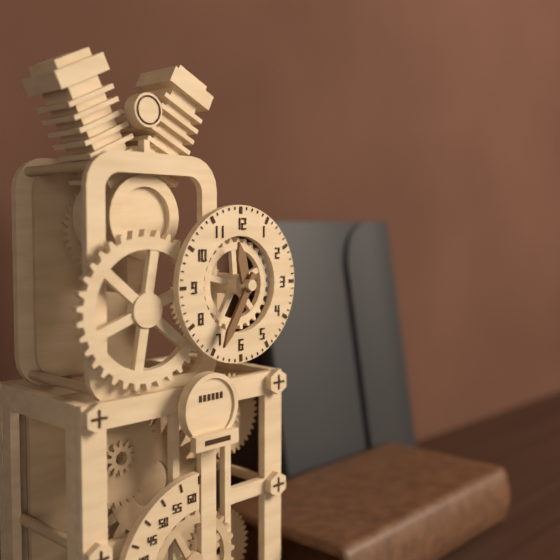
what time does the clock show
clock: 11:35
